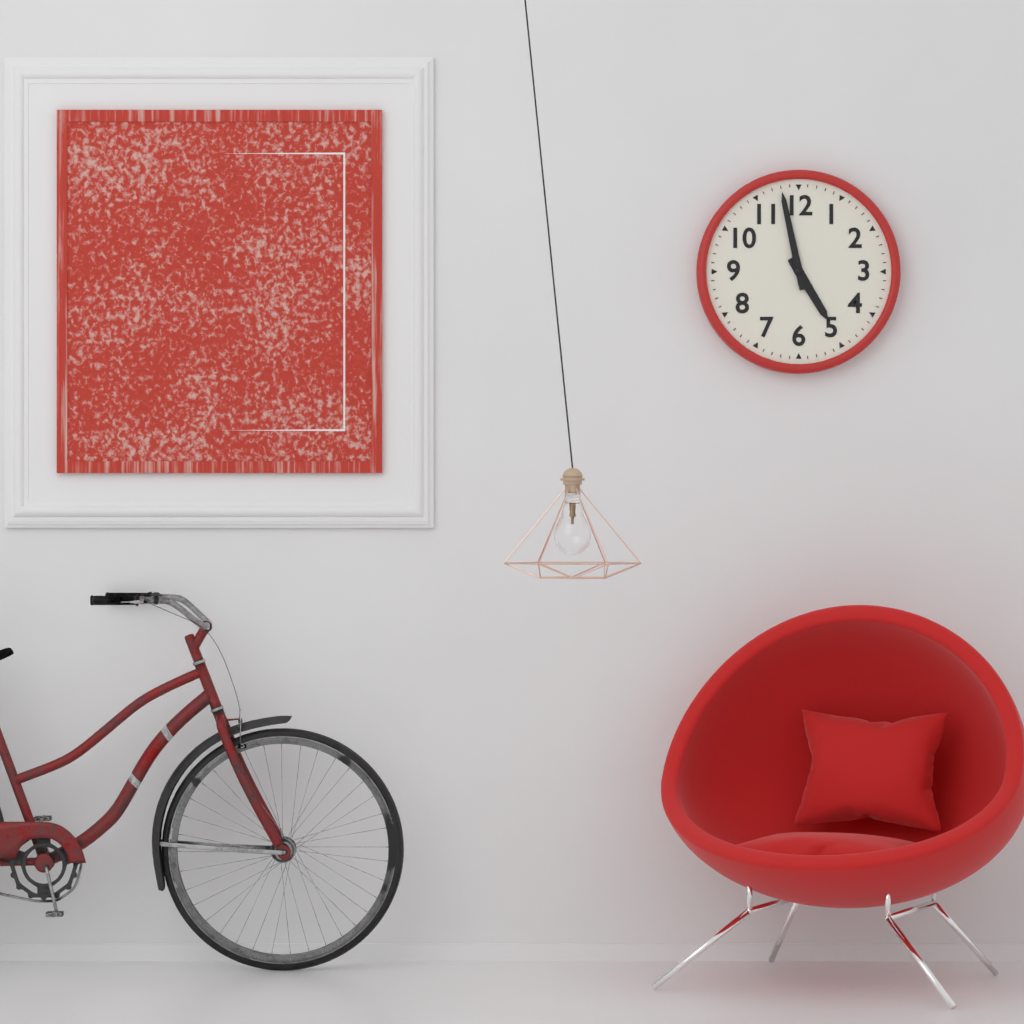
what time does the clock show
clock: 4:58
